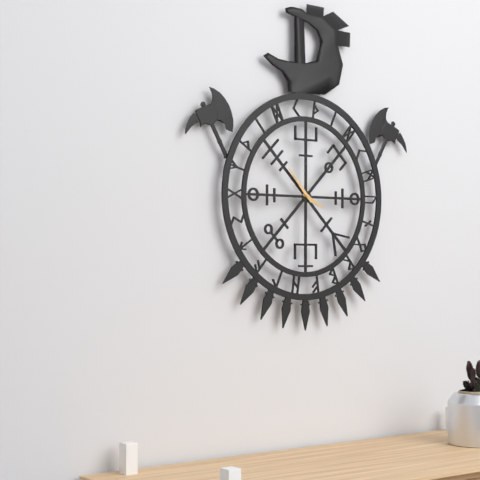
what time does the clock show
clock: 3:53
